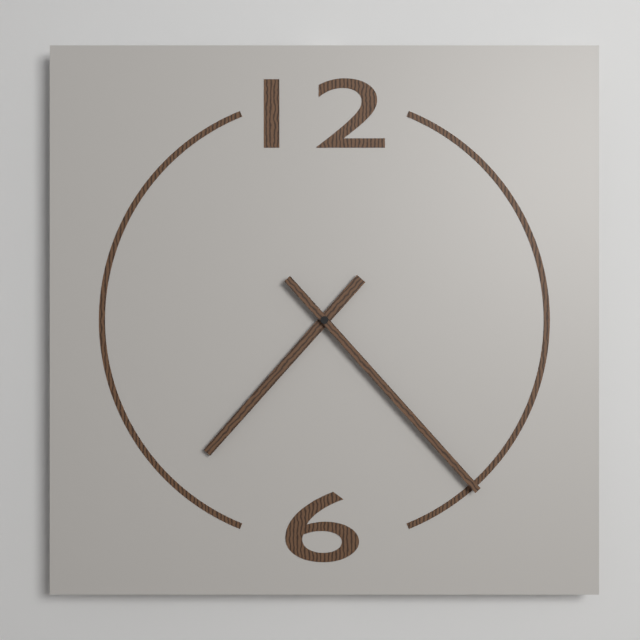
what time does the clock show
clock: 7:23
